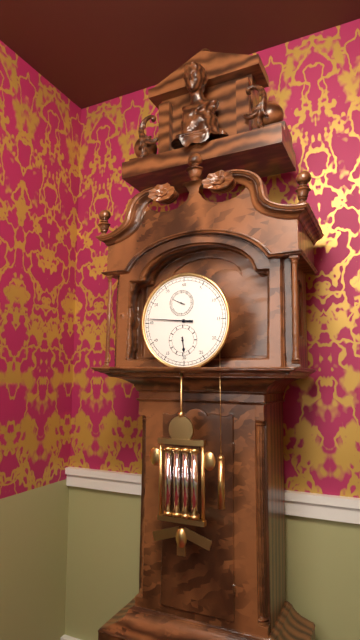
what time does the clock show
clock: 5:46
